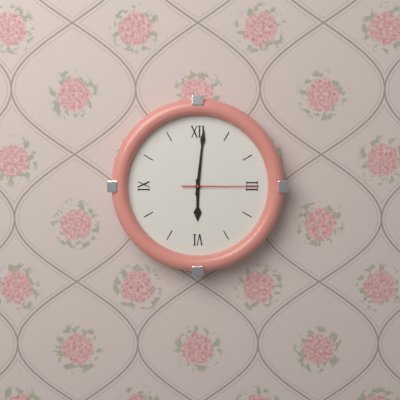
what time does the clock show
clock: 6:01:15
